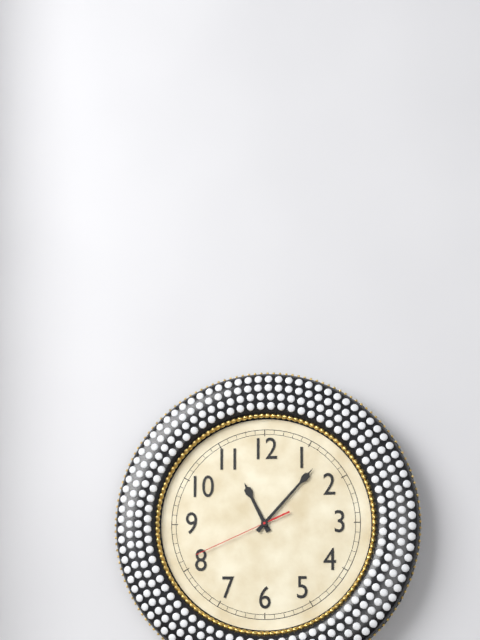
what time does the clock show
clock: 11:07:41
